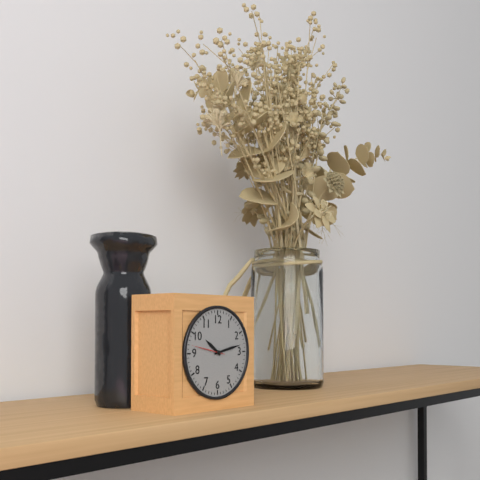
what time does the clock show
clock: 10:13
